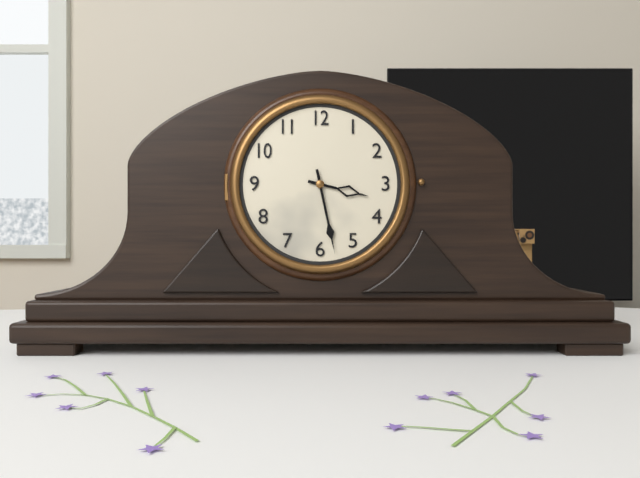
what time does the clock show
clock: 3:28
